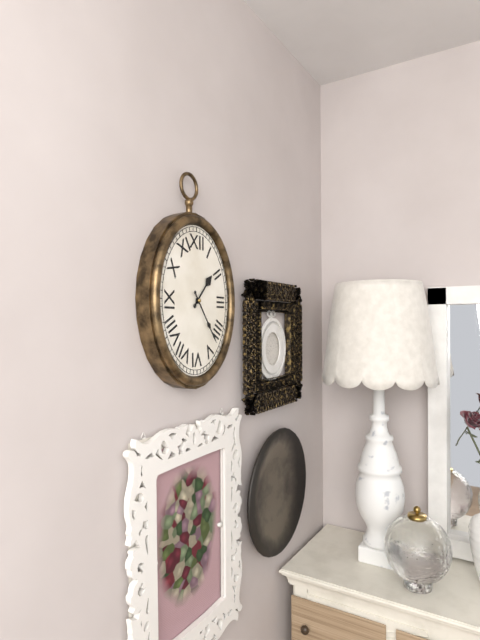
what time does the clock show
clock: 1:24
